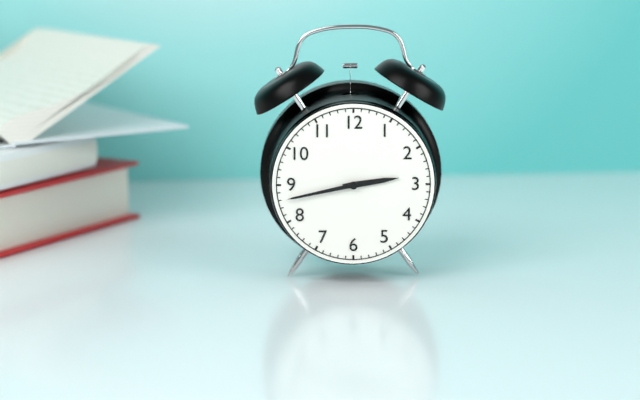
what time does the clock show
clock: 2:43
